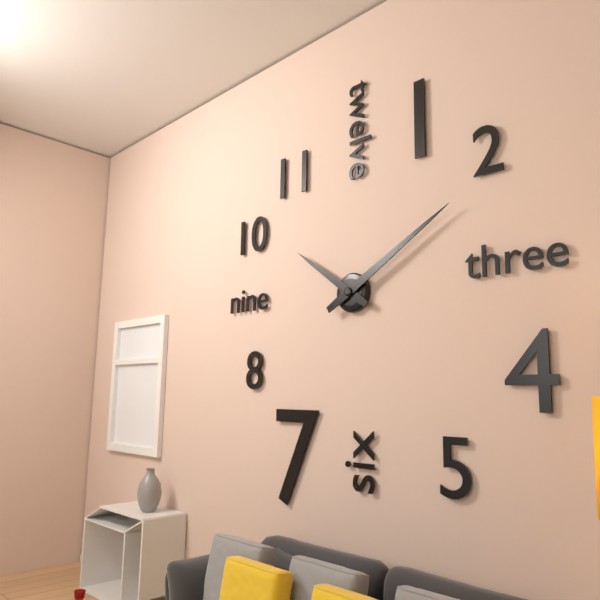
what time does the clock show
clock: 10:10
